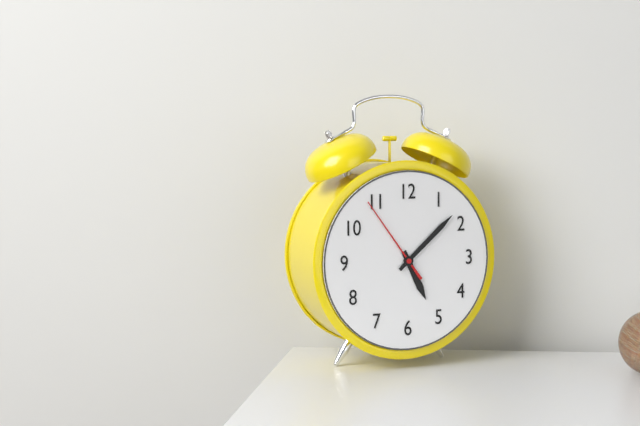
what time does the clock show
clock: 5:08:54
